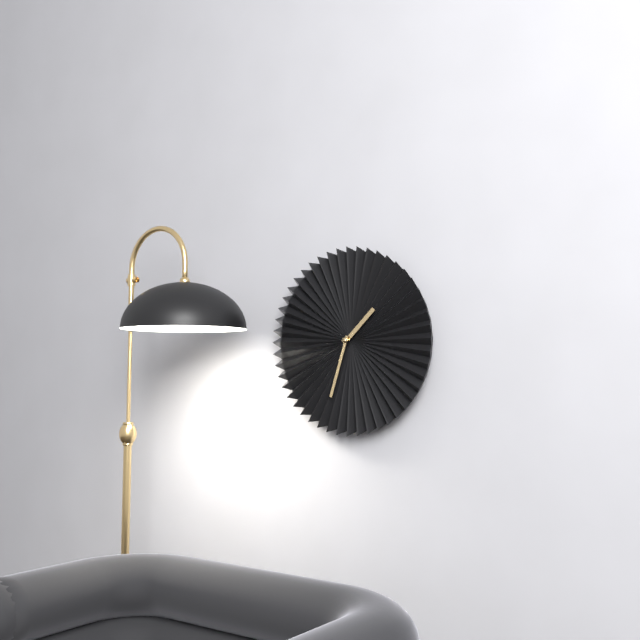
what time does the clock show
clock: 1:33
